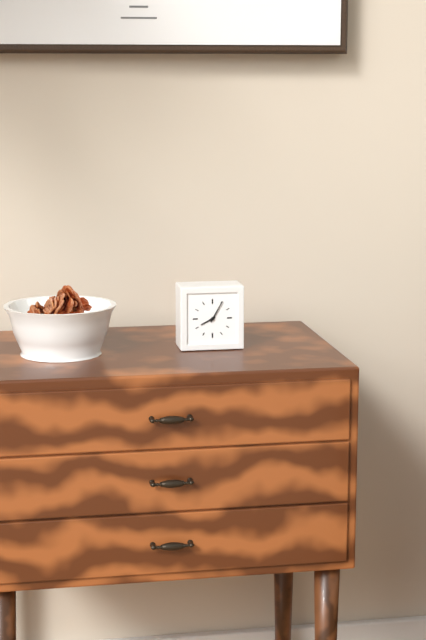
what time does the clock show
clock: 8:05
